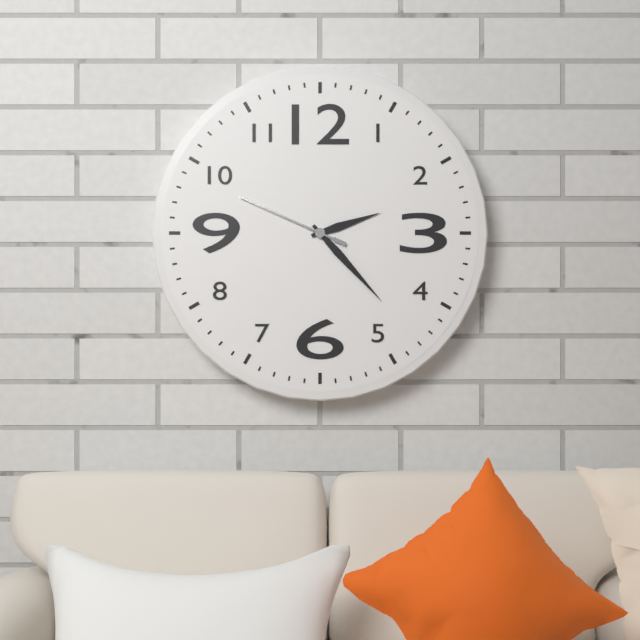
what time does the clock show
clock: 2:23:49
